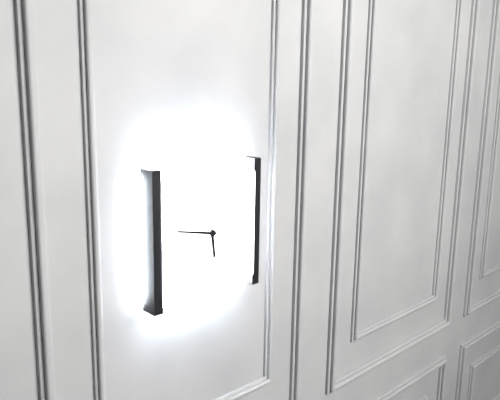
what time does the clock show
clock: 5:47
